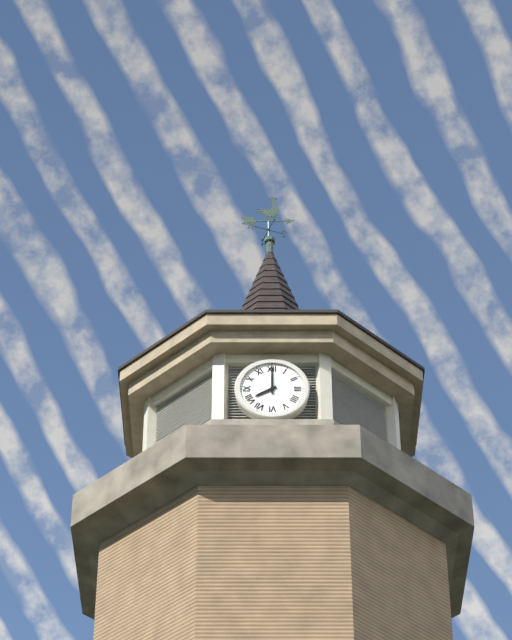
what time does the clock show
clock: 8:00
